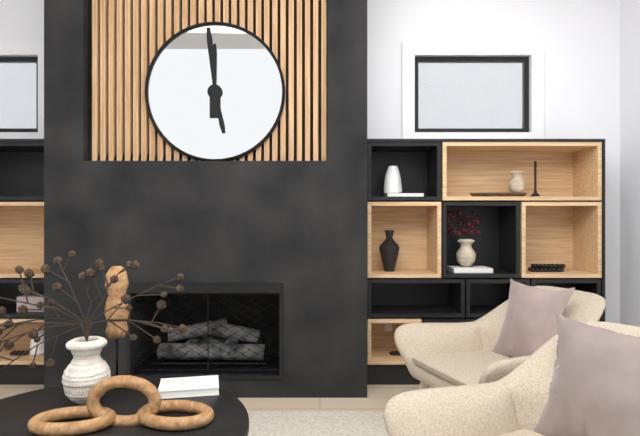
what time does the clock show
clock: 11:59:28
